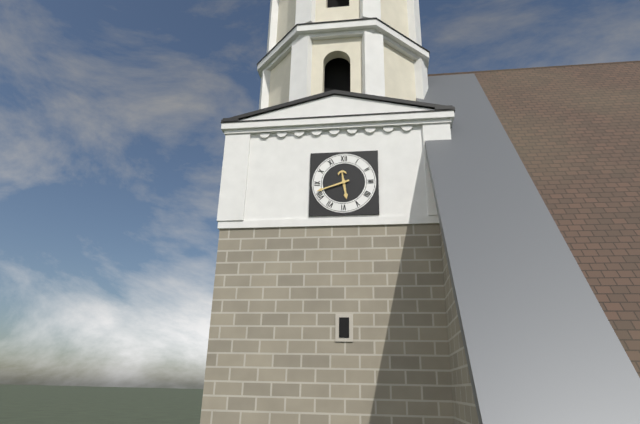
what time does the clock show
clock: 5:42
